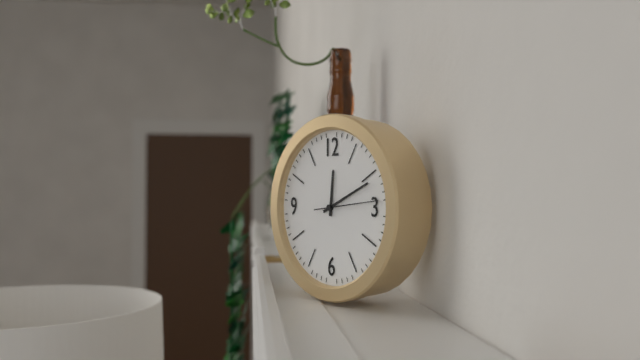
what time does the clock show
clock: 12:11:14
